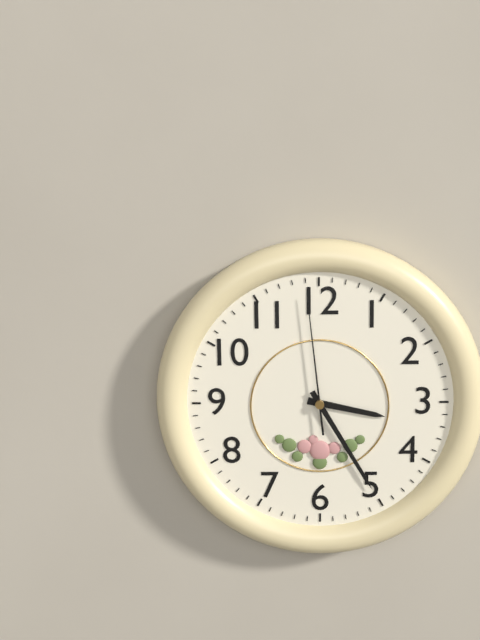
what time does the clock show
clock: 3:25:59
